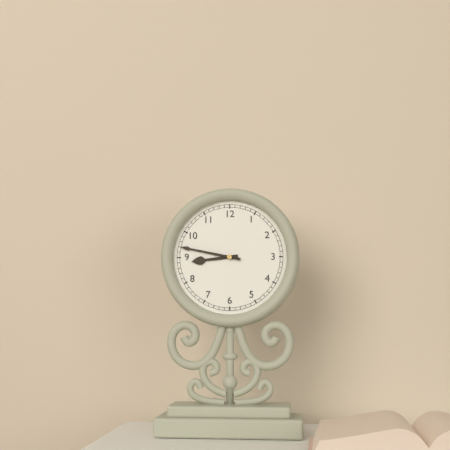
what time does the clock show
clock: 8:47
